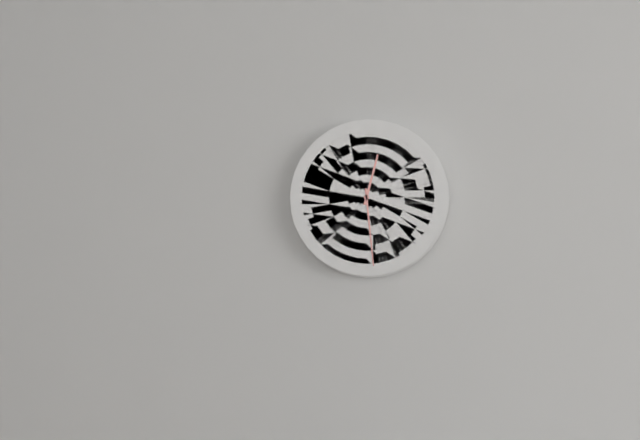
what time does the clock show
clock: 12:29
